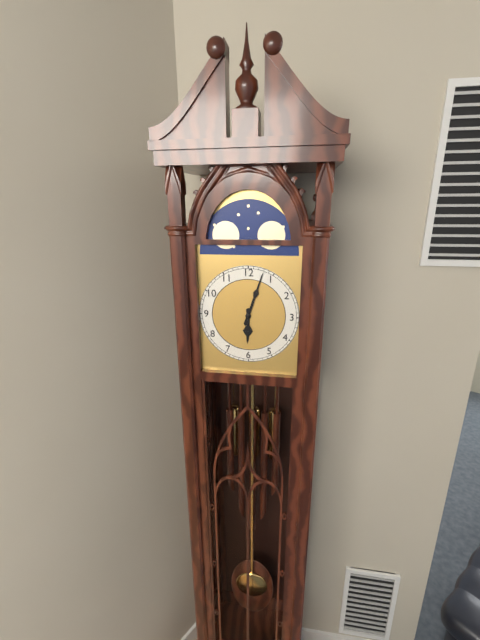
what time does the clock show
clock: 6:03
